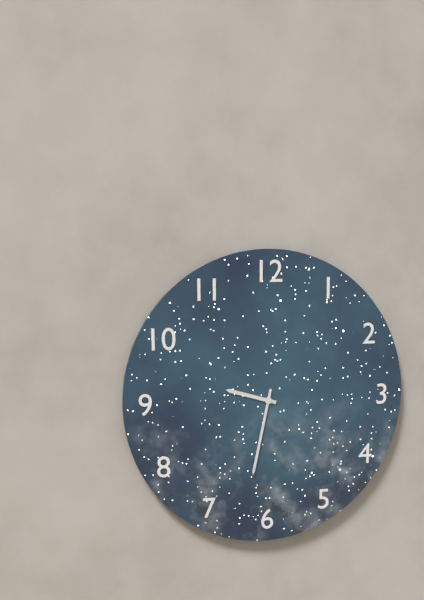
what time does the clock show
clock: 9:32
